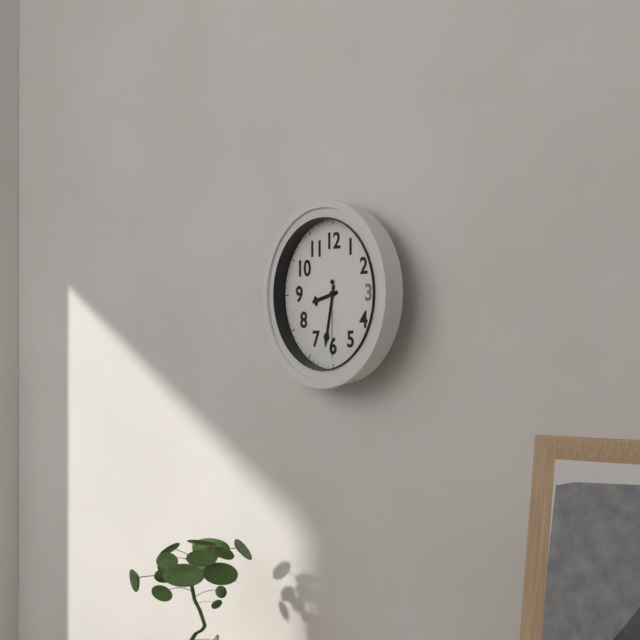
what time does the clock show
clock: 8:32:30
